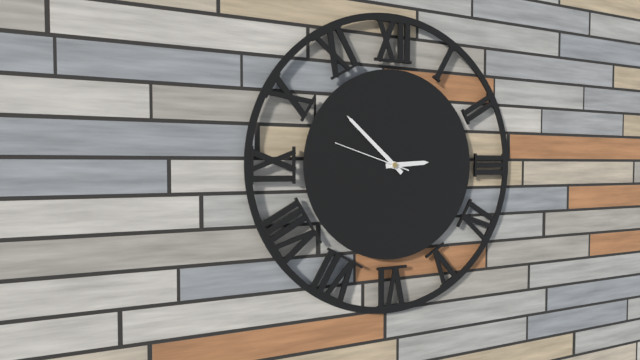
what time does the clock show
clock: 2:52:48
